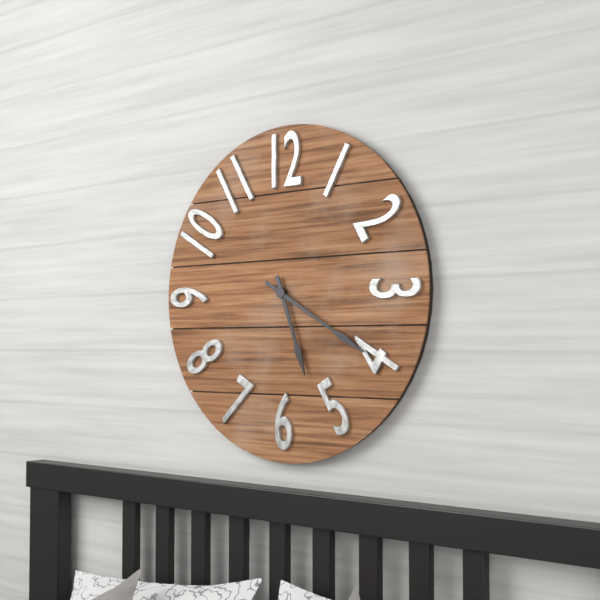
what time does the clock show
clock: 5:20
